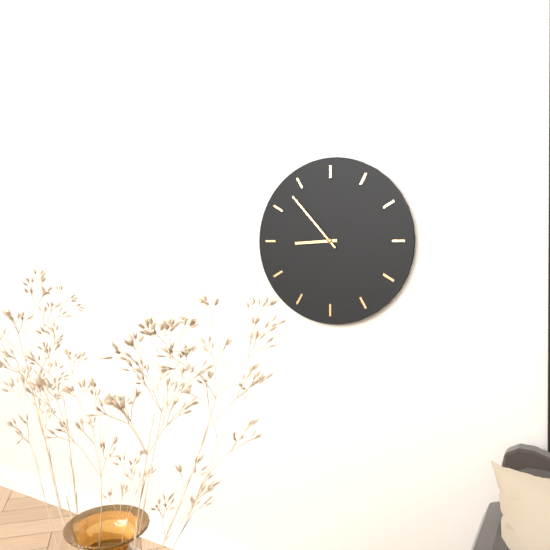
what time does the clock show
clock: 8:53
